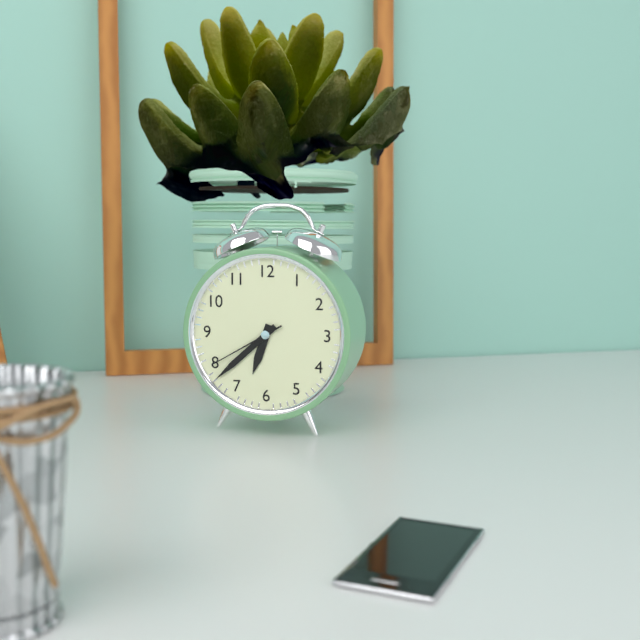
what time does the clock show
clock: 6:38:40
